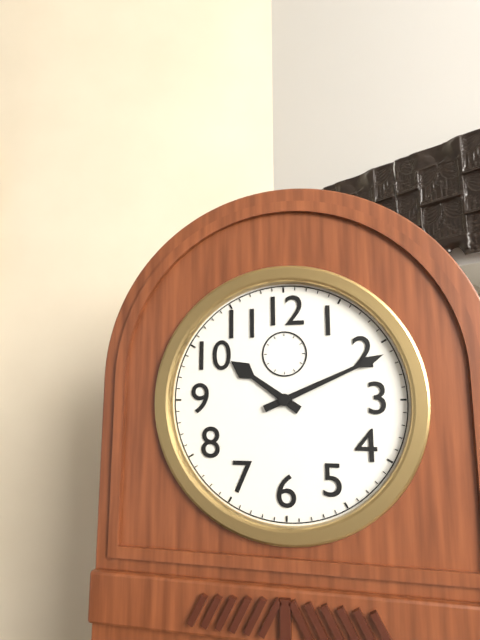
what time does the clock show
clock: 10:11
